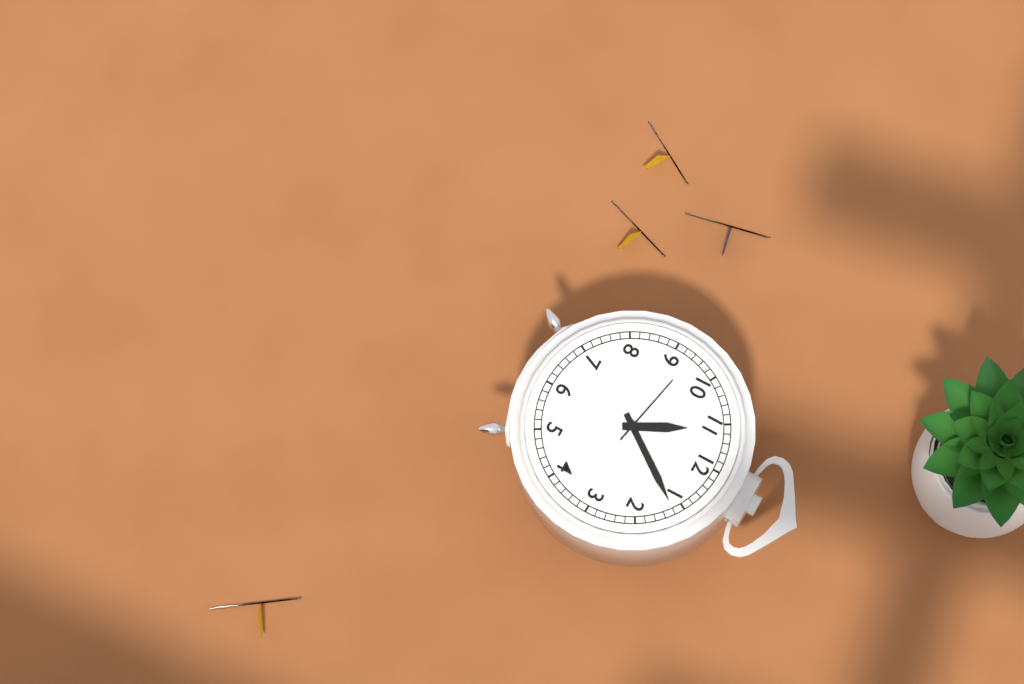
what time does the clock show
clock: 11:06:47
